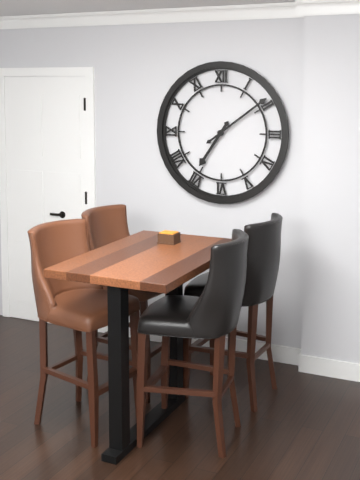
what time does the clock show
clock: 7:09
